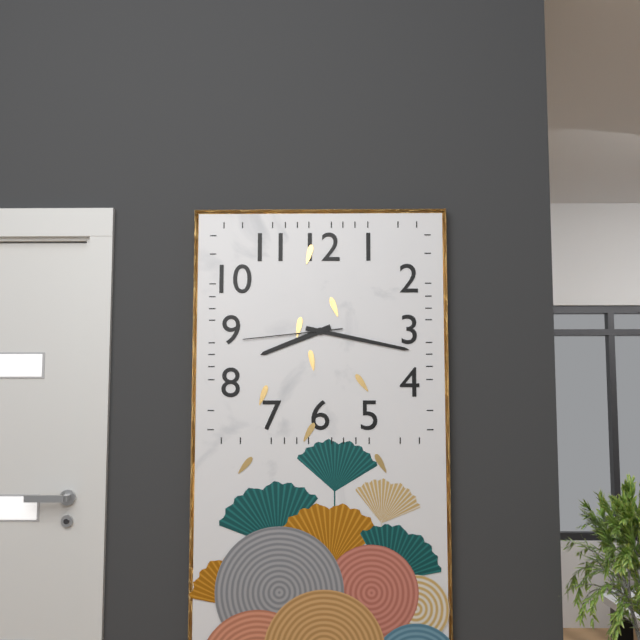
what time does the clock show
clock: 8:17:44
